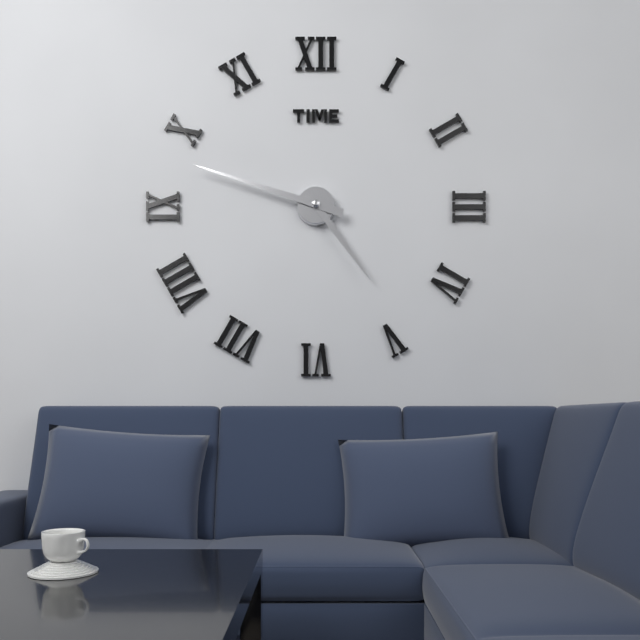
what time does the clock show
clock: 4:48
